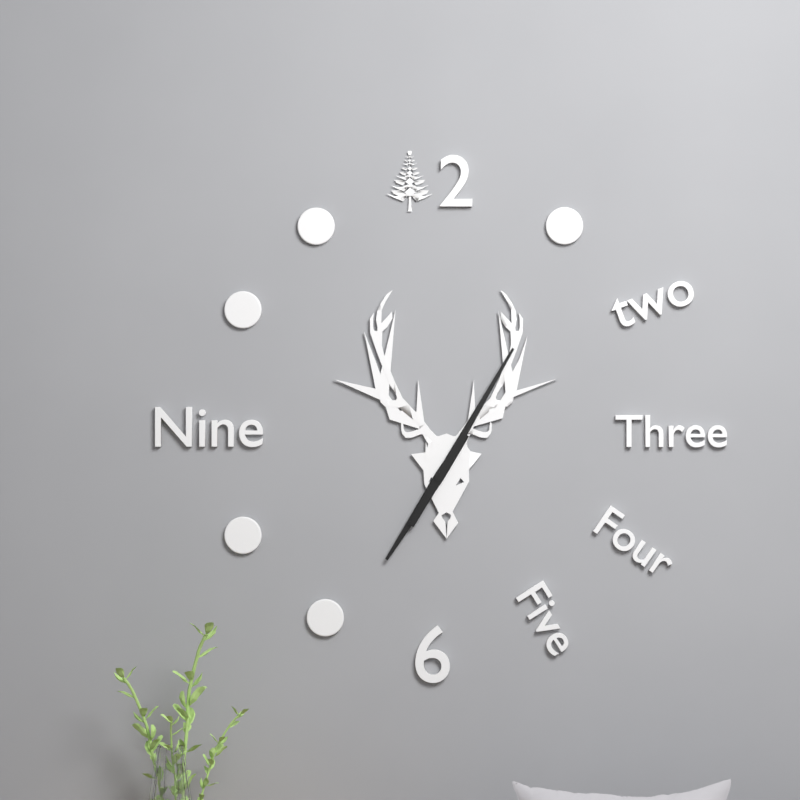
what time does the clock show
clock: 7:05
